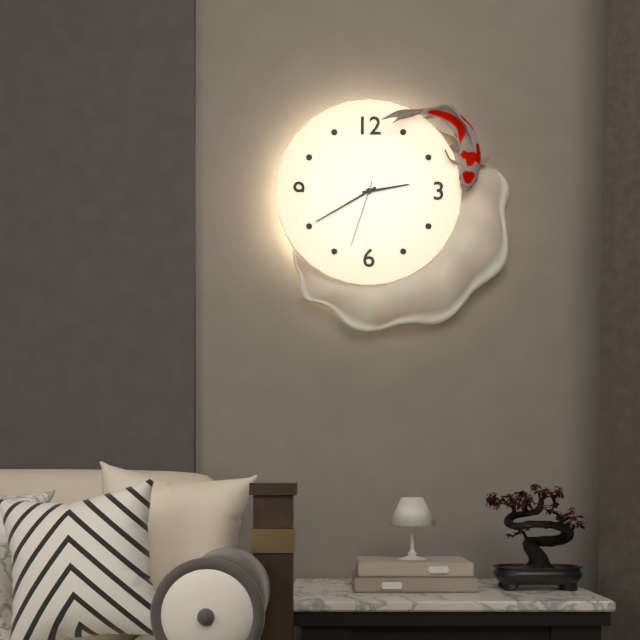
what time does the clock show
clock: 2:40:33
